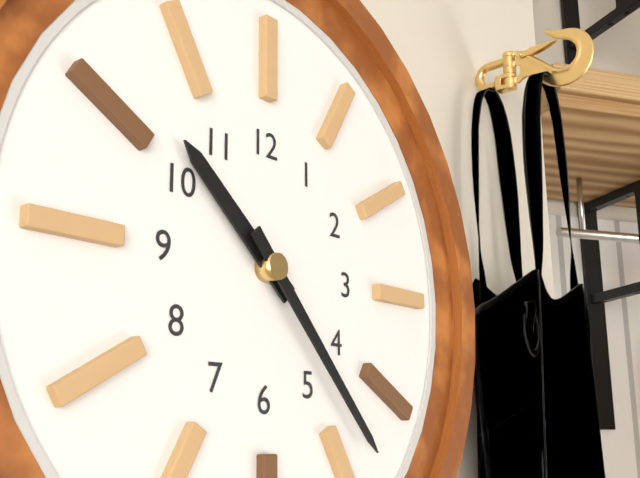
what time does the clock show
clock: 10:23
